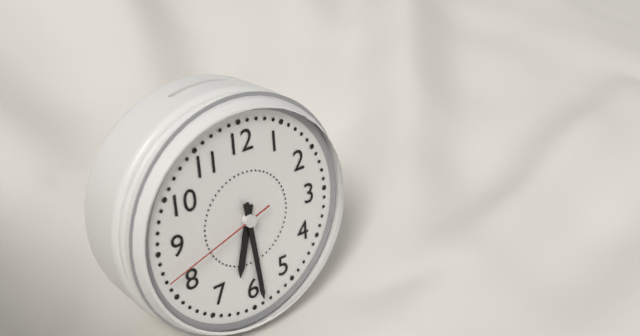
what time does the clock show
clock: 6:29:42
